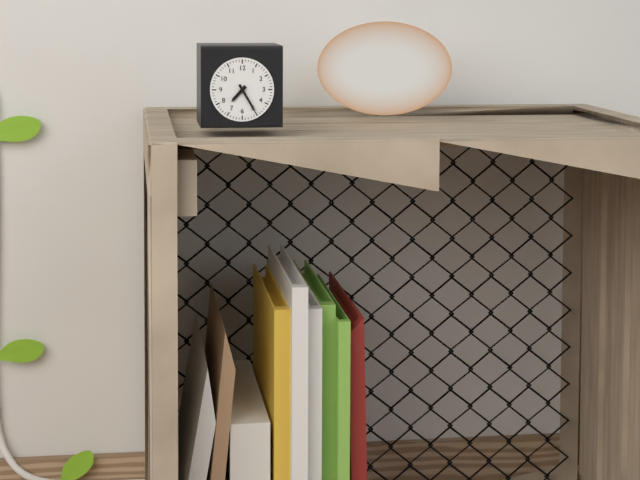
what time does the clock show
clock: 7:25
